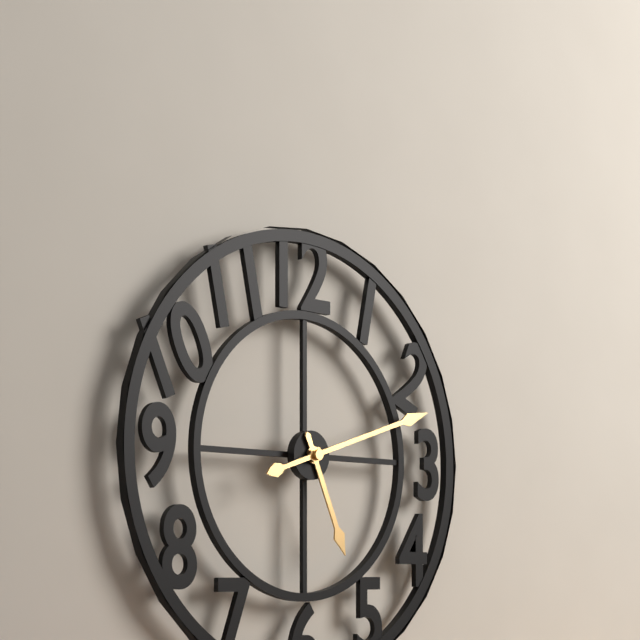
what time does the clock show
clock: 5:12
